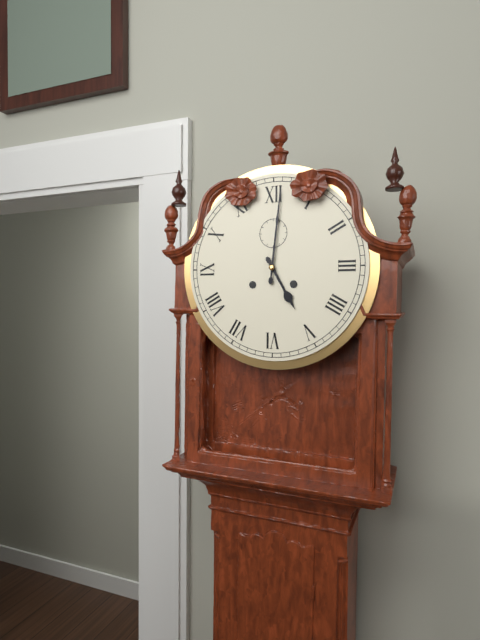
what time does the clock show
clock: 5:01
